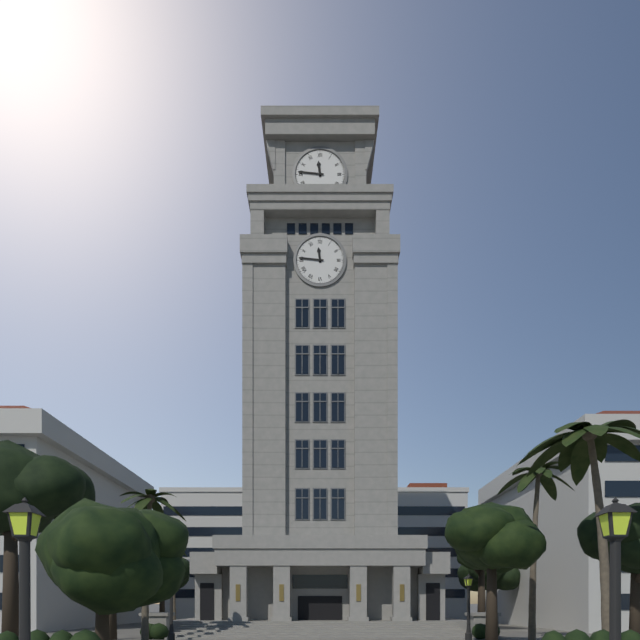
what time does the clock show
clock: 11:46
